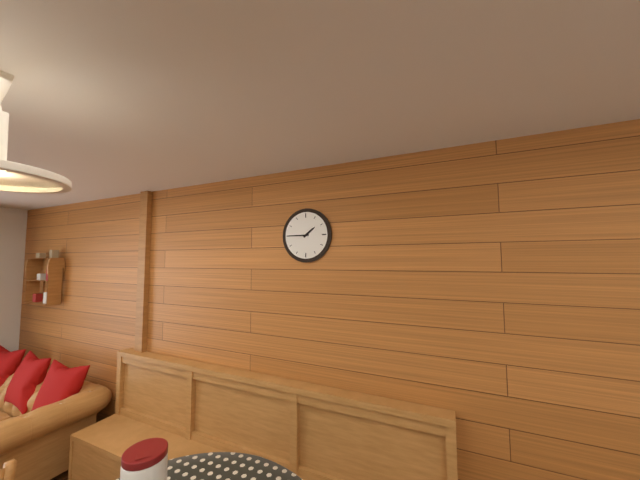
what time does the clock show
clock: 1:45
